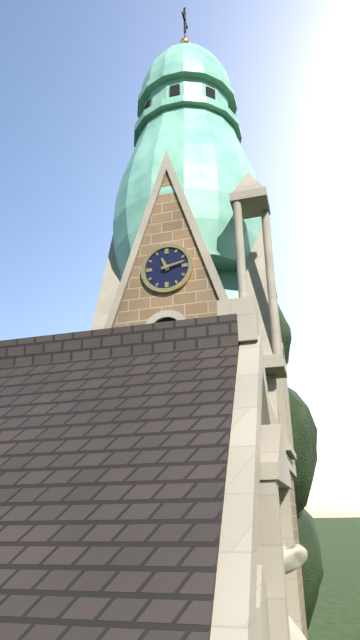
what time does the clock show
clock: 11:13
